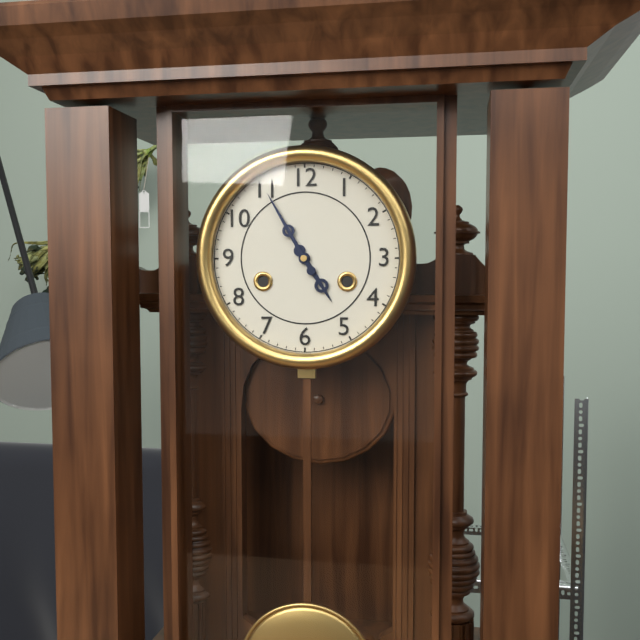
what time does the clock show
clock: 4:55
